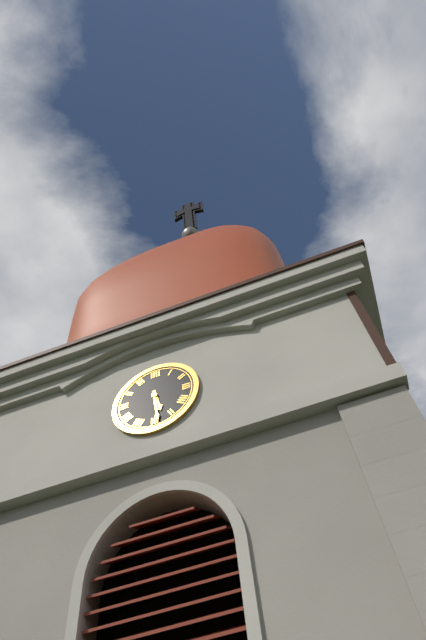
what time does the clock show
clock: 5:29
